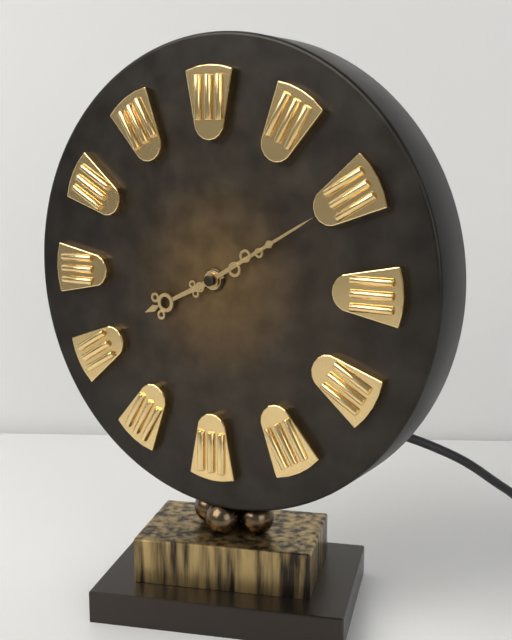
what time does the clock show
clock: 8:10
